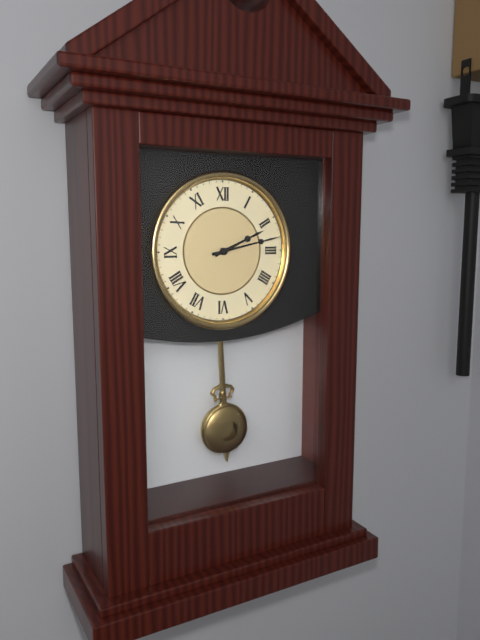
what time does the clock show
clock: 2:13
